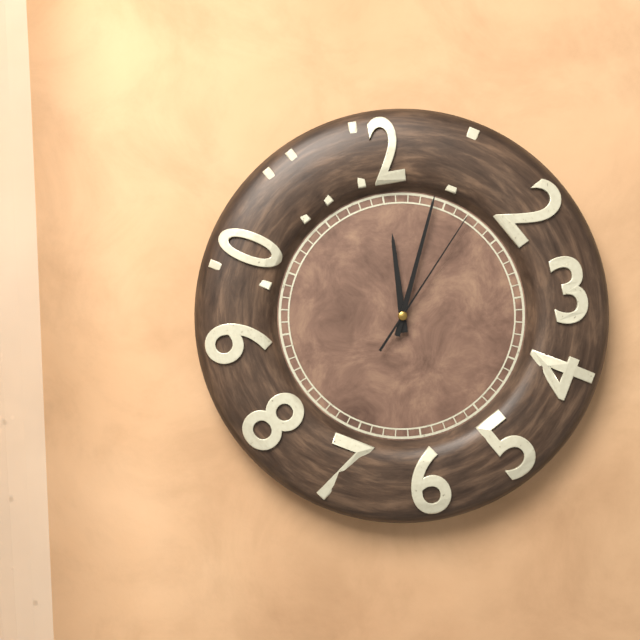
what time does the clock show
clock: 12:04:07
